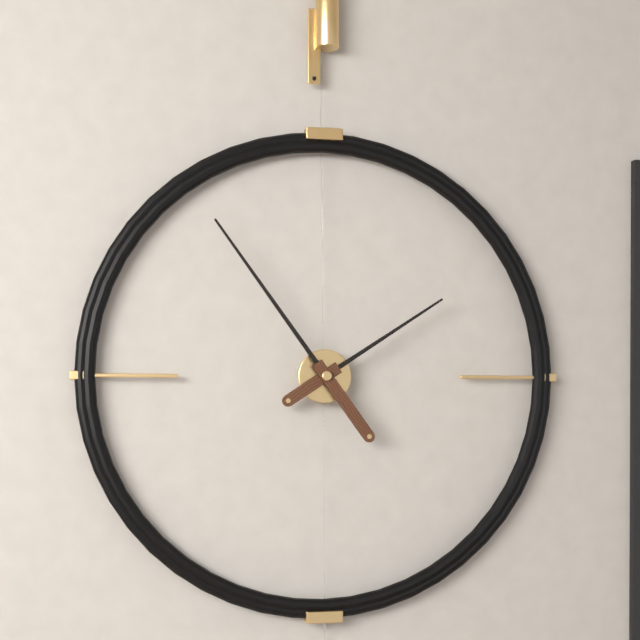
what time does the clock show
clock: 1:54
